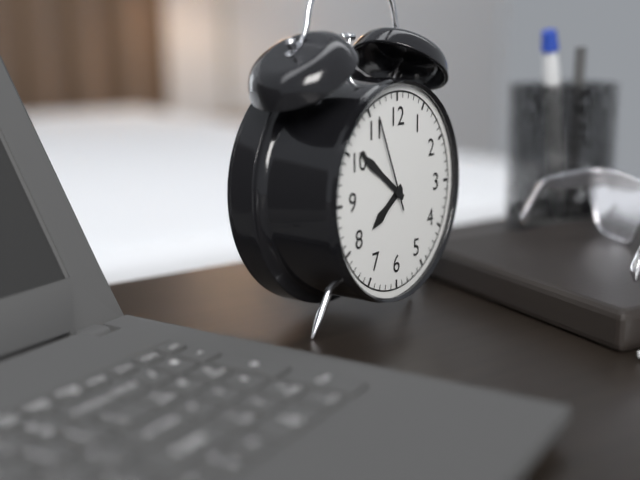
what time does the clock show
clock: 7:51:56
